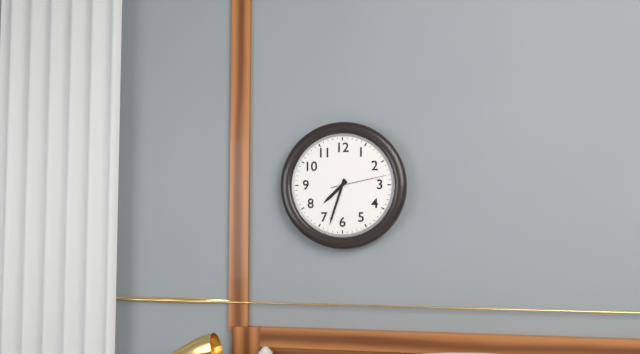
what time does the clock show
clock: 7:33:13
